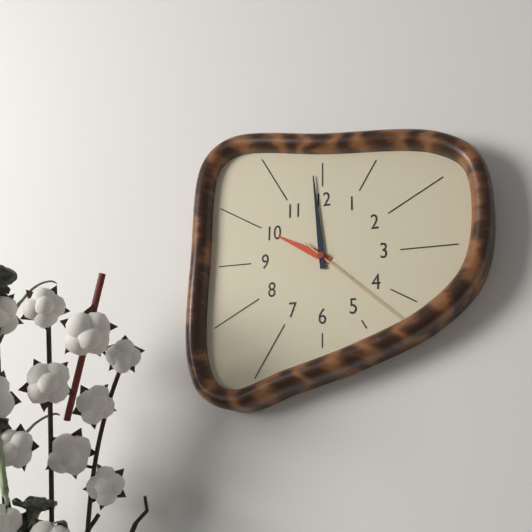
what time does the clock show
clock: 9:59:22
